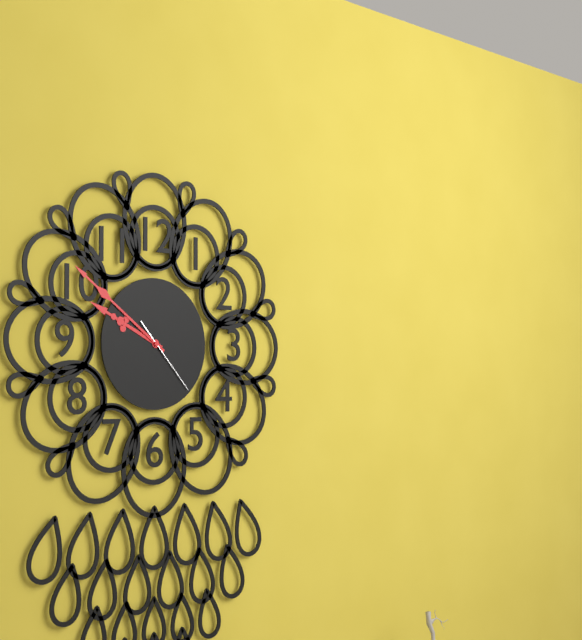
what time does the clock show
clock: 9:51:23
